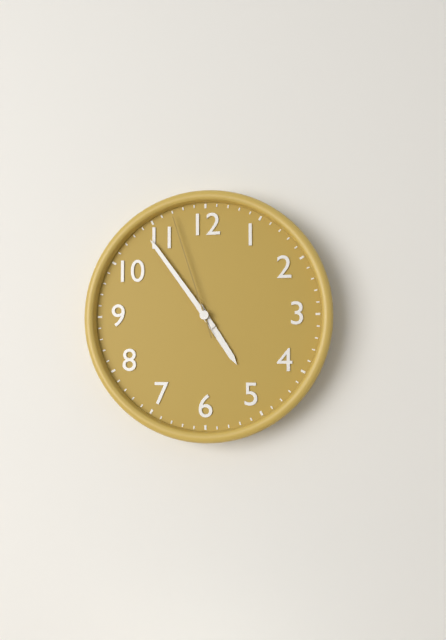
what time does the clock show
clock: 4:54:57
